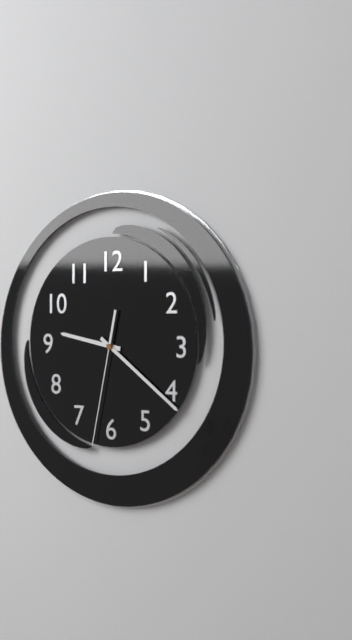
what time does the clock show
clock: 9:21:32
